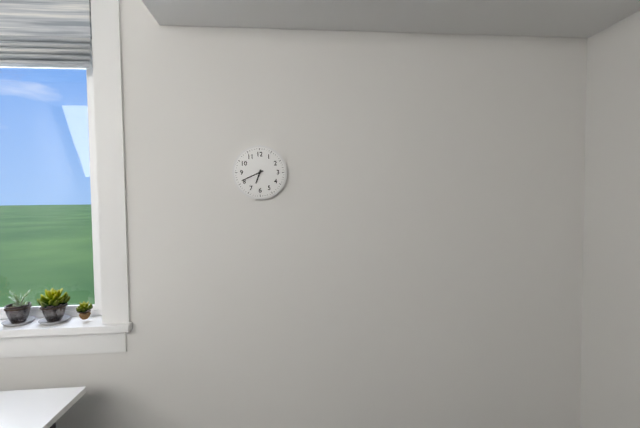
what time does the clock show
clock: 6:41
